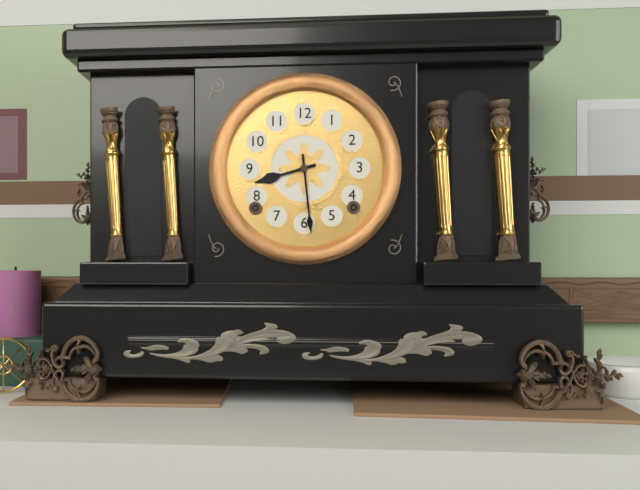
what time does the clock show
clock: 8:29
